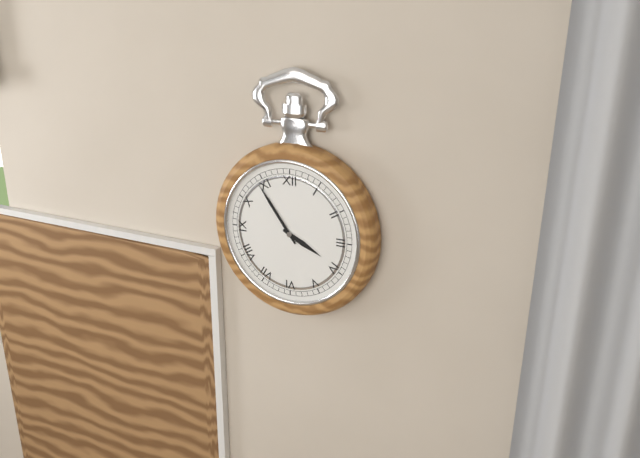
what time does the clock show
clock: 3:54
